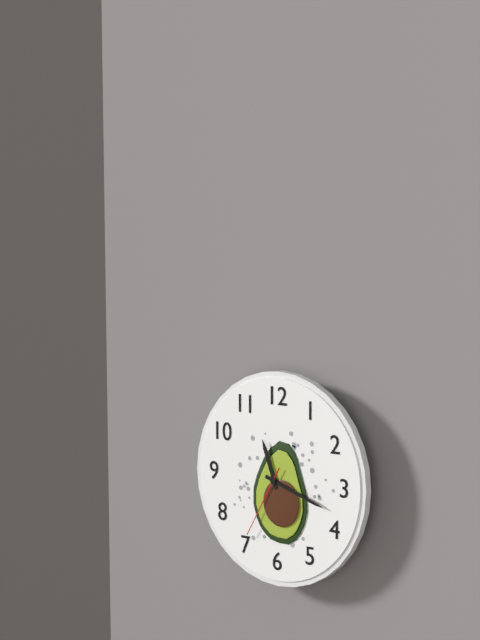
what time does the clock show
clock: 11:18:35
